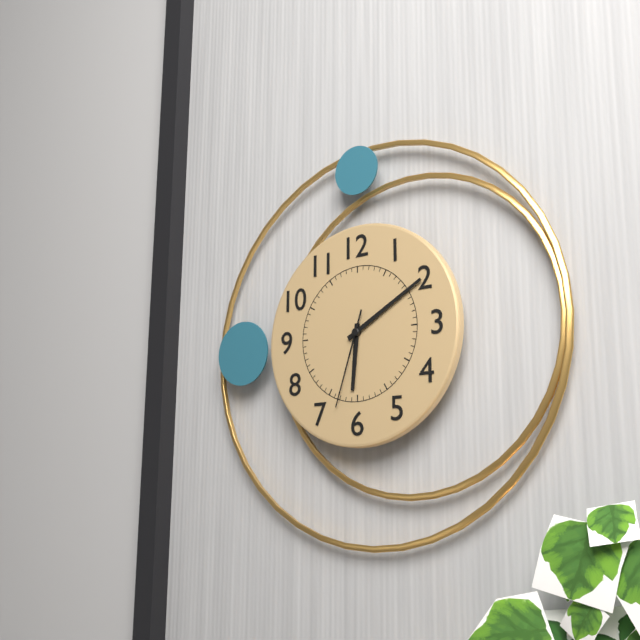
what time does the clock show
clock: 6:10:33
